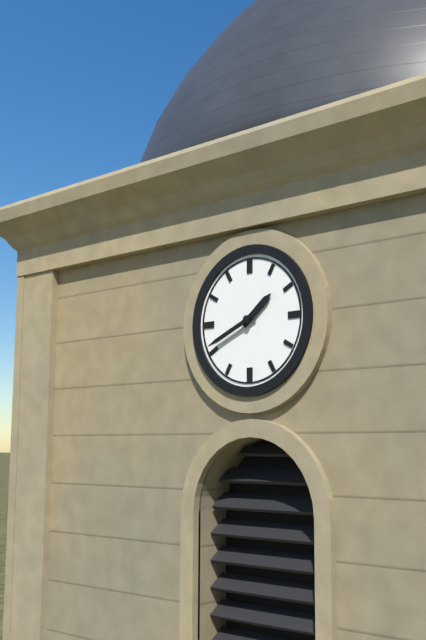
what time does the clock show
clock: 1:41
